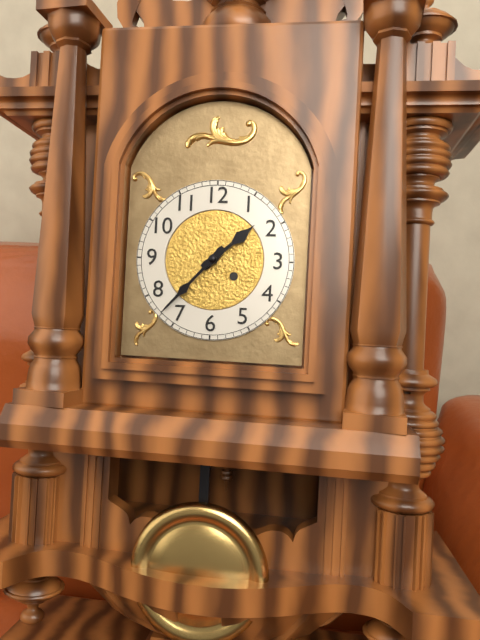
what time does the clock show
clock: 1:37
